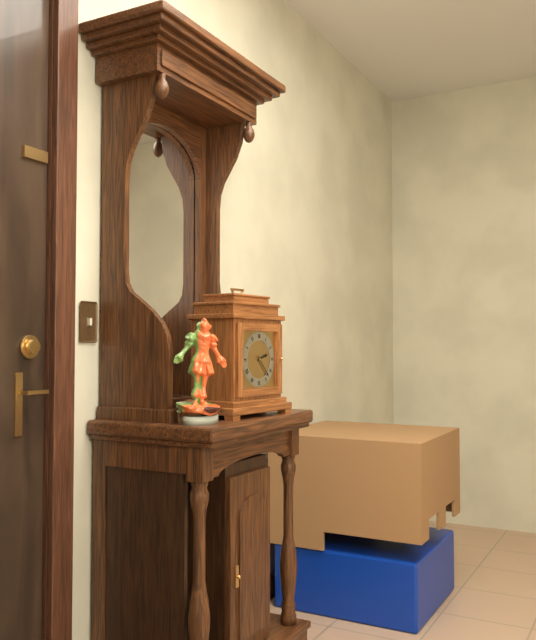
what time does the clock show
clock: 2:23
